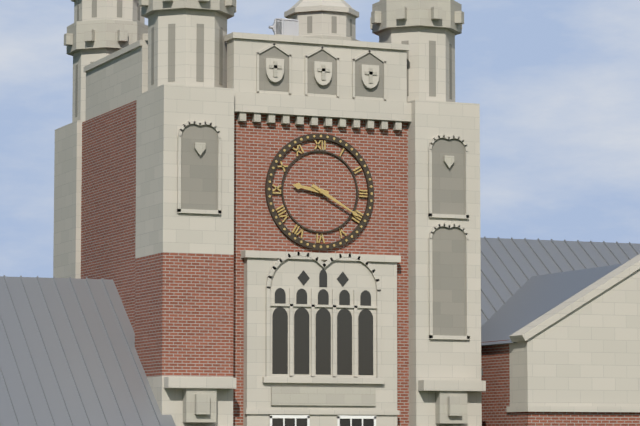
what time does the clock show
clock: 9:20
